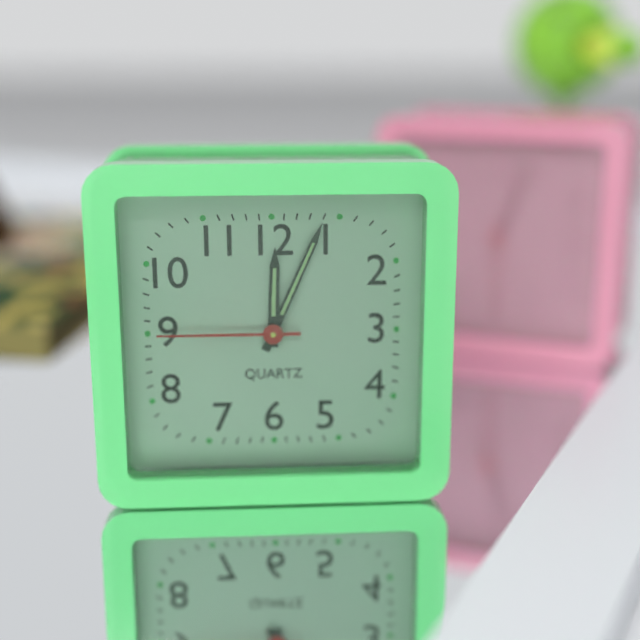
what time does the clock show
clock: 12:04:45
